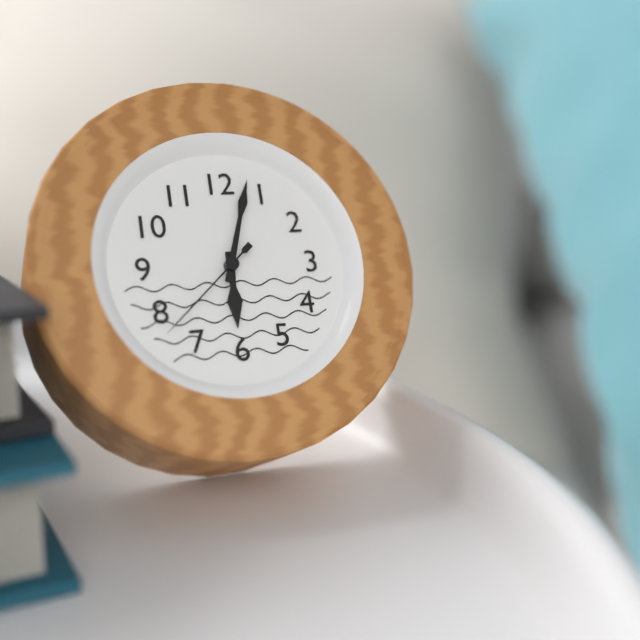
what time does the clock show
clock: 6:03:38
